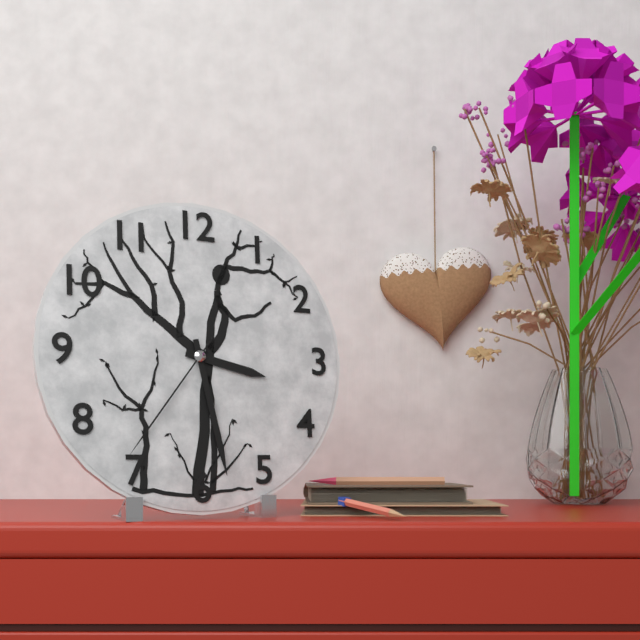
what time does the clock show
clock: 3:28:36
